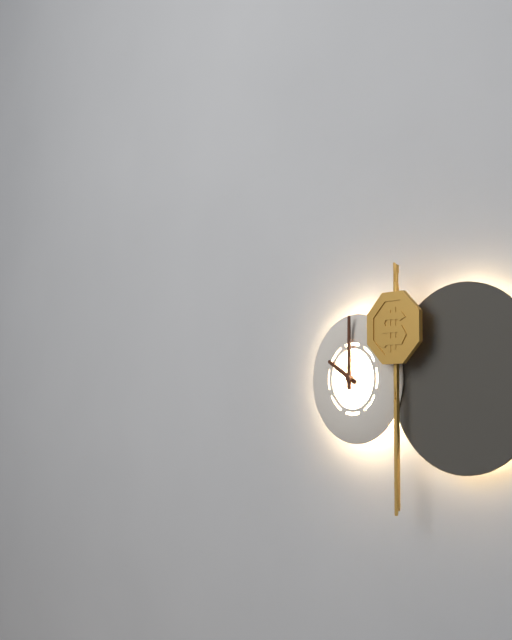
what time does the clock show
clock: 10:00
